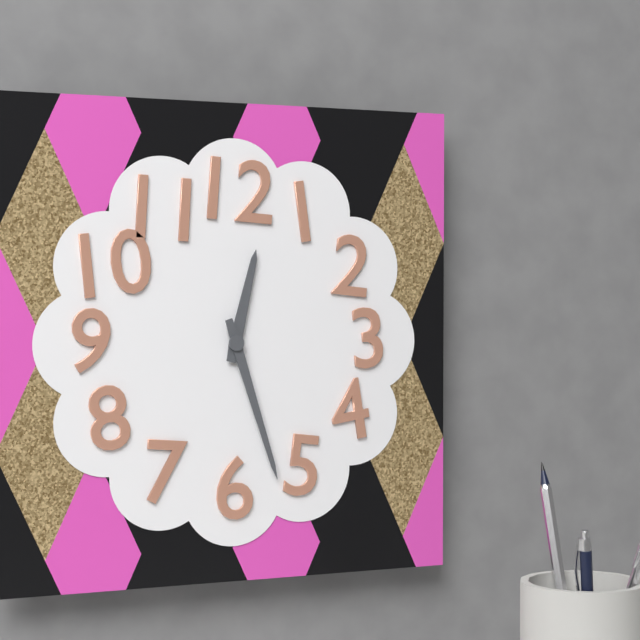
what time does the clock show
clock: 12:27
